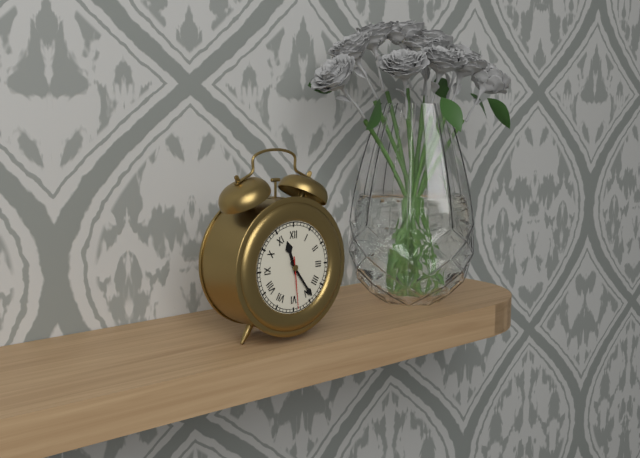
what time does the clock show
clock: 11:24:29
